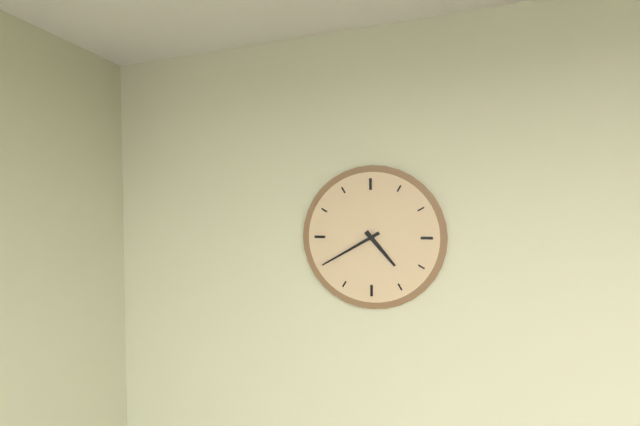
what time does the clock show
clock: 4:40
